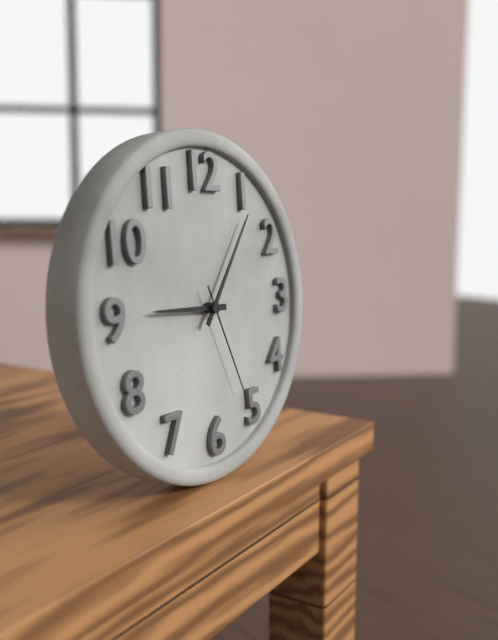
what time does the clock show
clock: 9:06:26
